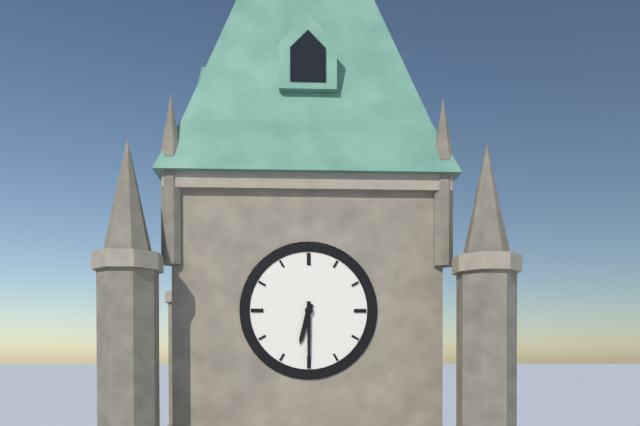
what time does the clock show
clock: 6:30
